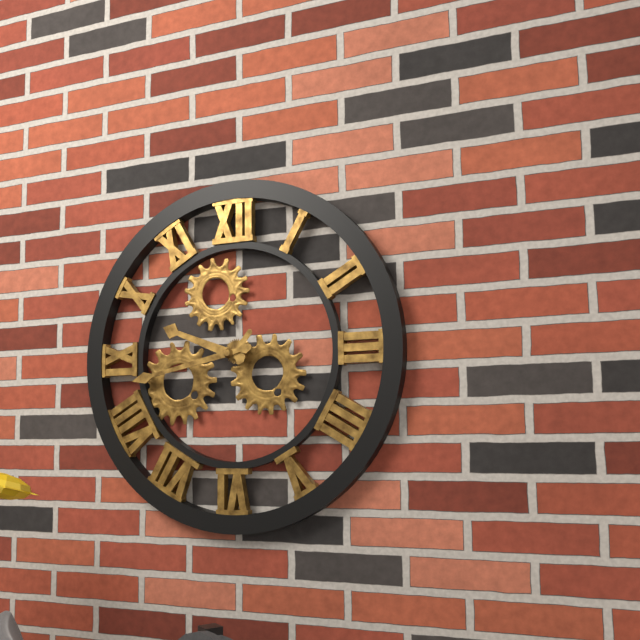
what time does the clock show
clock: 9:43
